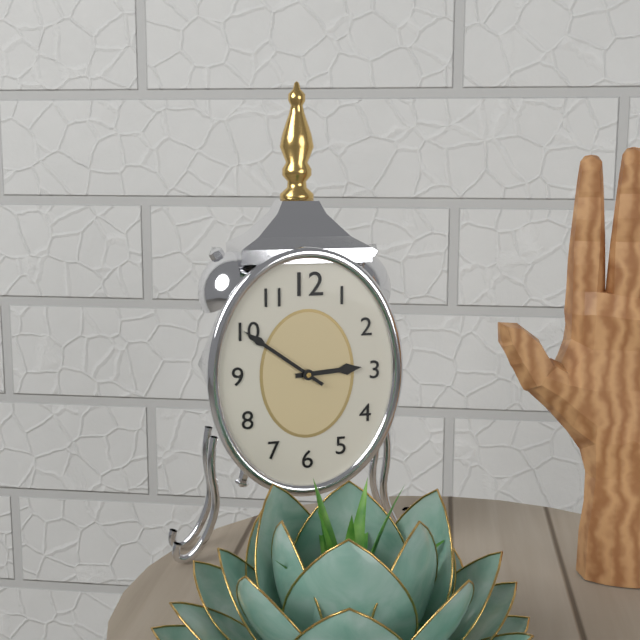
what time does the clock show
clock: 2:51
